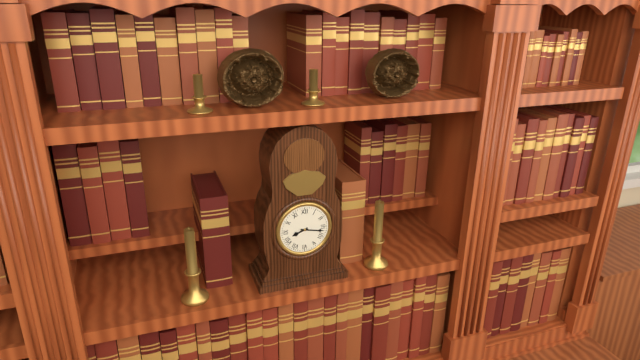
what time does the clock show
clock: 8:17
